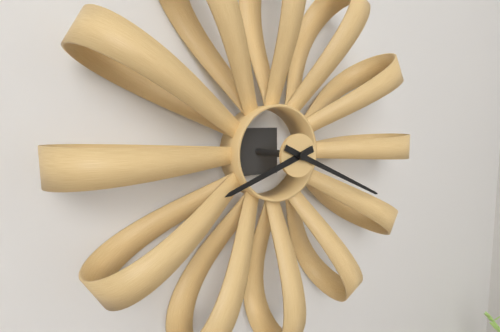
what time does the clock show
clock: 8:19
